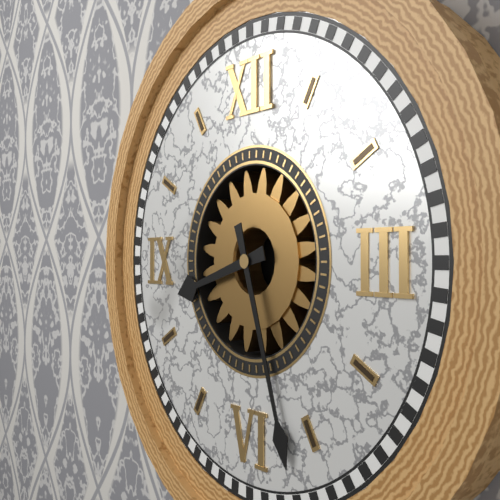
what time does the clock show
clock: 8:27
